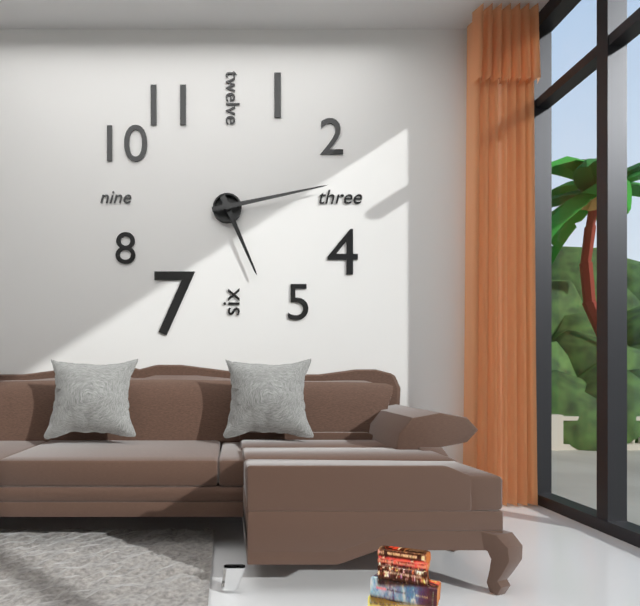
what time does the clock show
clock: 5:13
